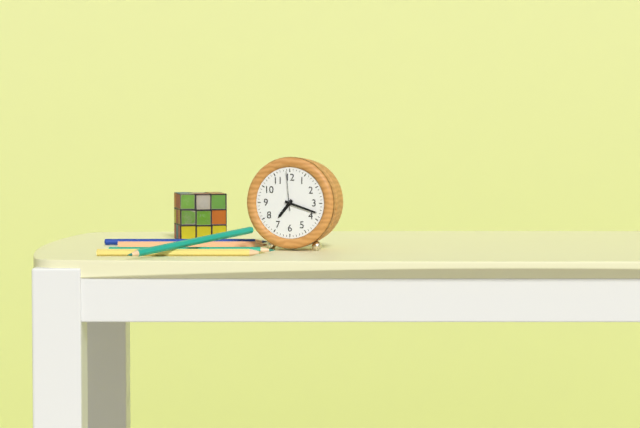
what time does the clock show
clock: 7:18
